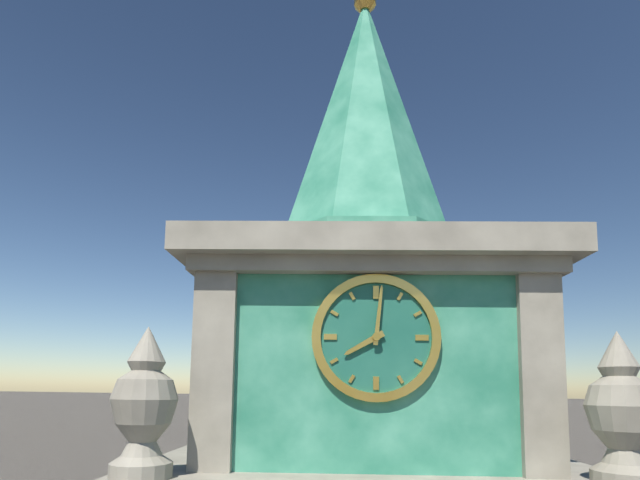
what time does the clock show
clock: 8:01
